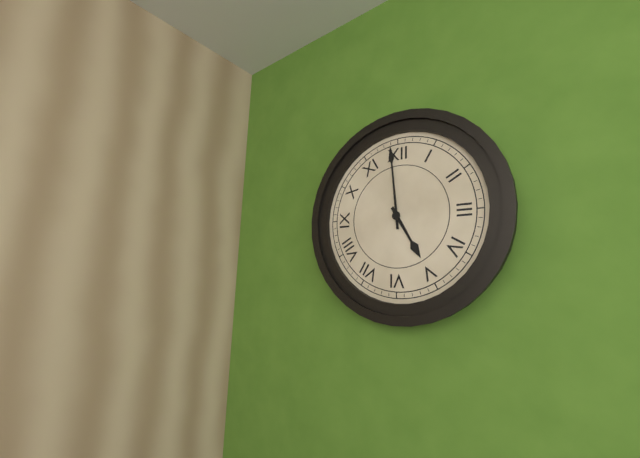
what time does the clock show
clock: 4:59
